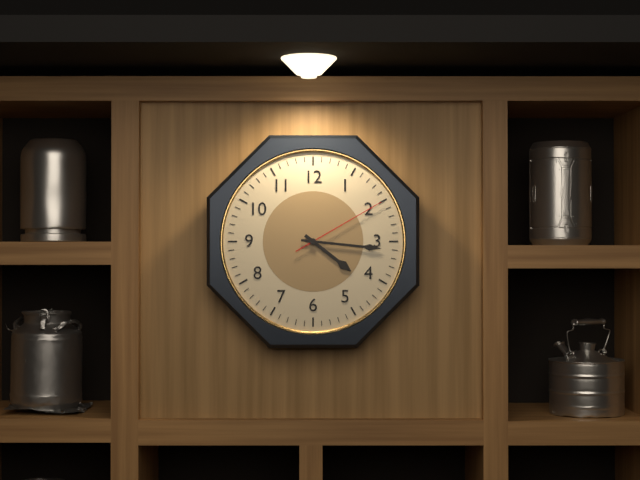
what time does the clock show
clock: 4:16:10
